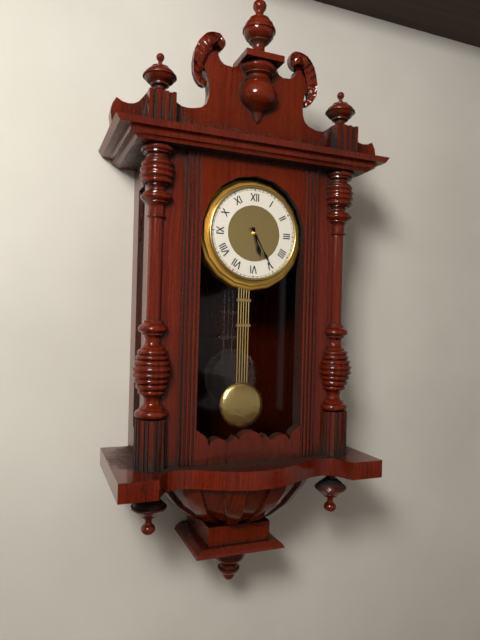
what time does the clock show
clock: 5:25
